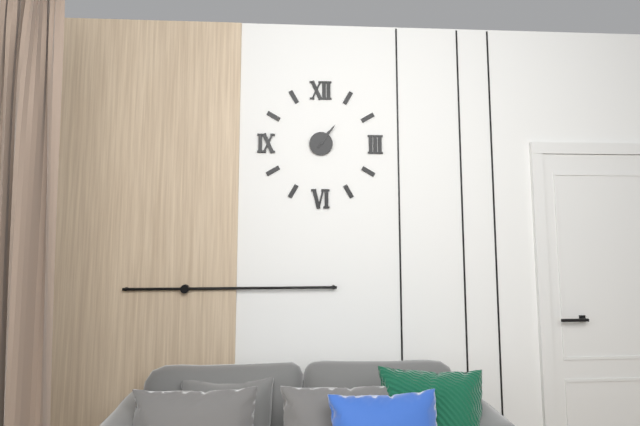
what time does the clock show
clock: 1:06
